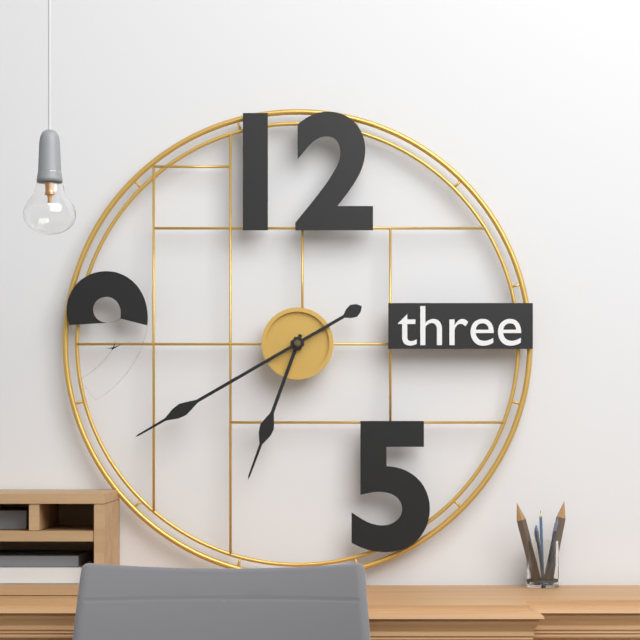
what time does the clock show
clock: 6:40
